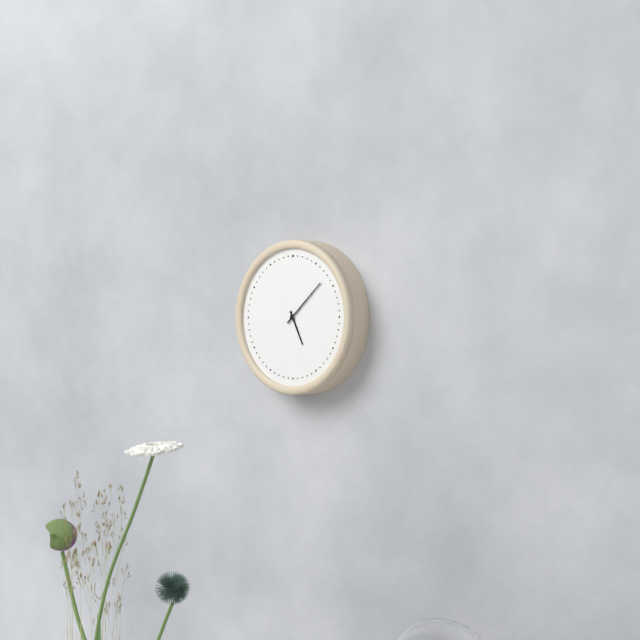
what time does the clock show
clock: 5:08
